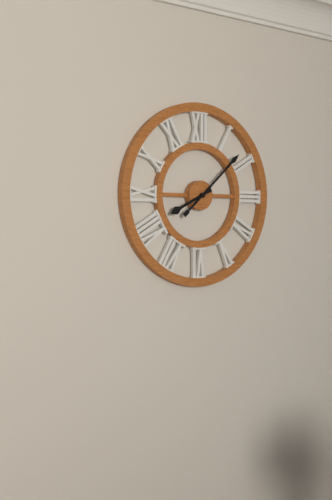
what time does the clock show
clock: 8:08
